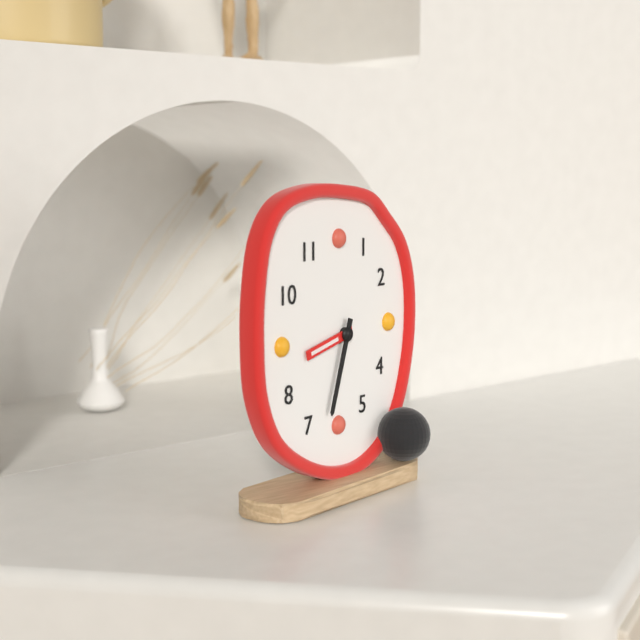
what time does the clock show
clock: 8:33
